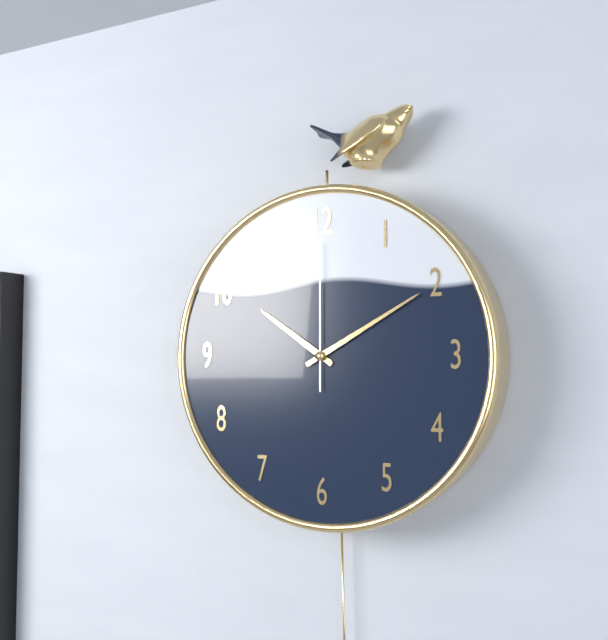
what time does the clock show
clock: 10:10:00
